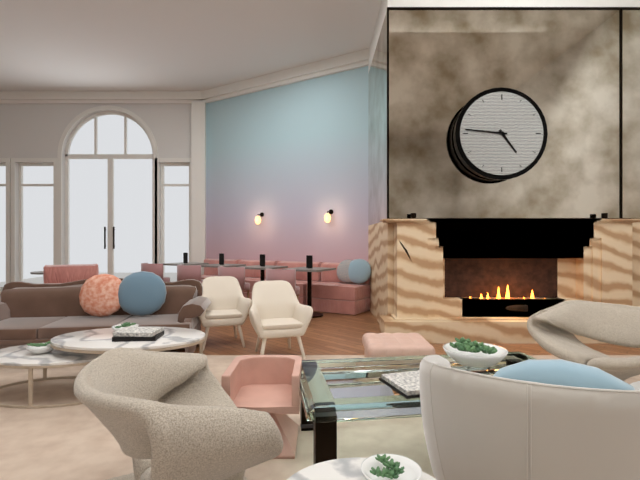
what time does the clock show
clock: 4:46
